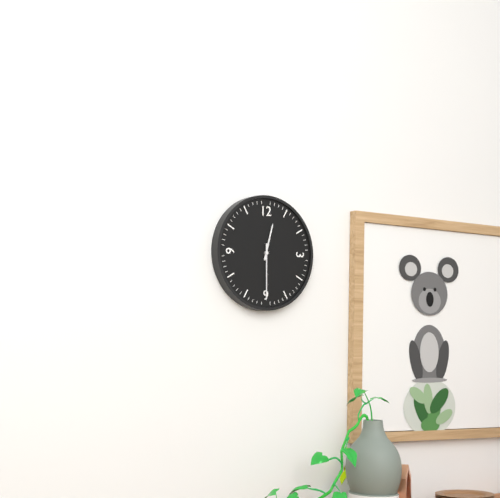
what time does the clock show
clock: 12:30
